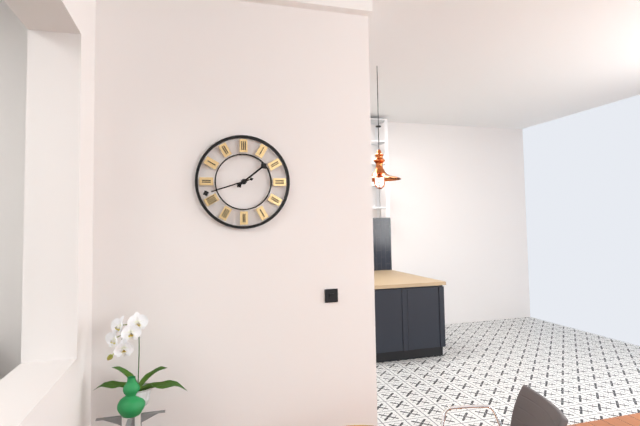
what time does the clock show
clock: 1:42
